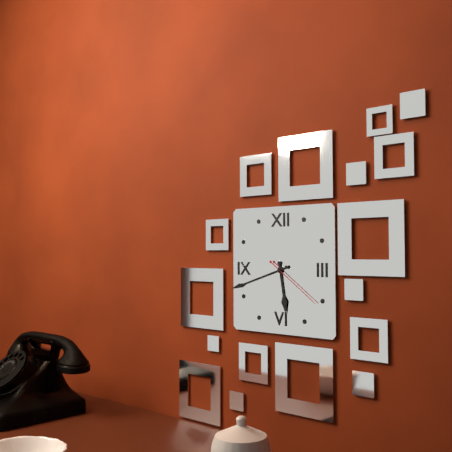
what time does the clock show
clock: 5:42:21
